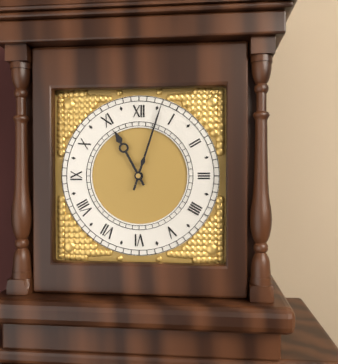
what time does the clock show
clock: 11:03
